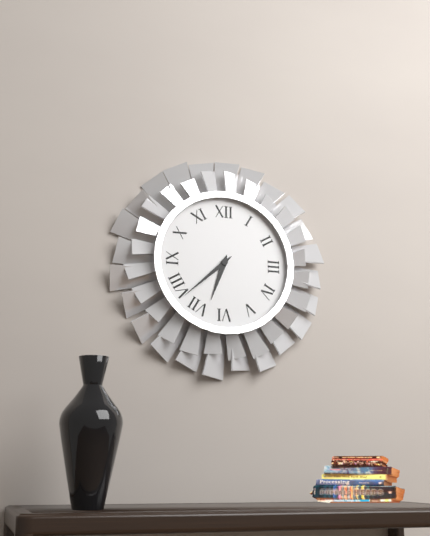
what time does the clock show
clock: 6:38
